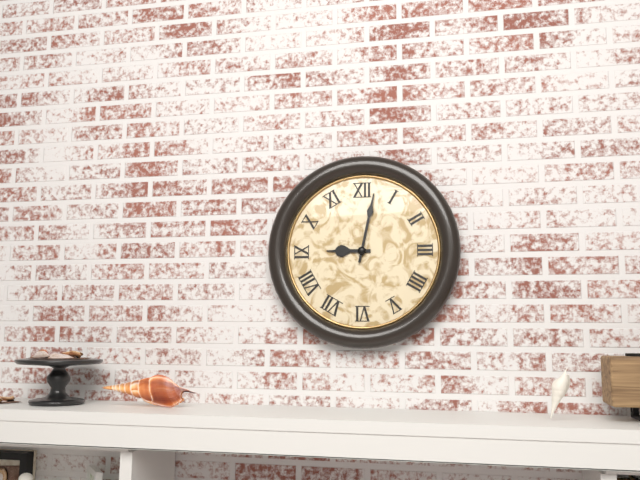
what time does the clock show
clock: 9:02
